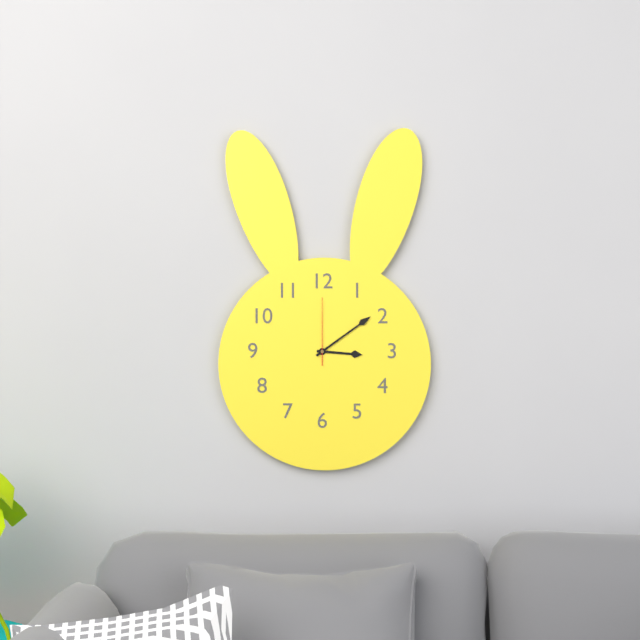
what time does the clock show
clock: 3:09:00
